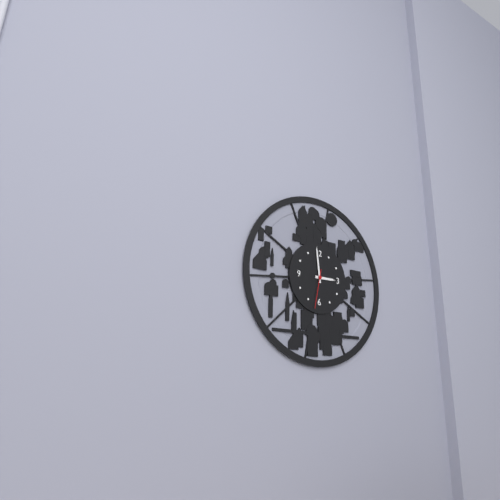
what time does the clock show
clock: 2:59
